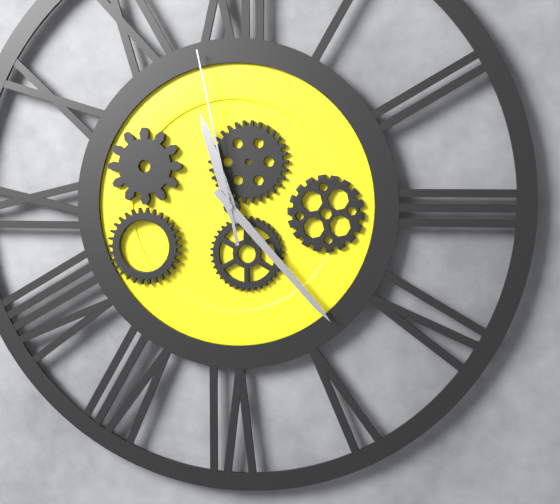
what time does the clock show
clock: 11:23:58
